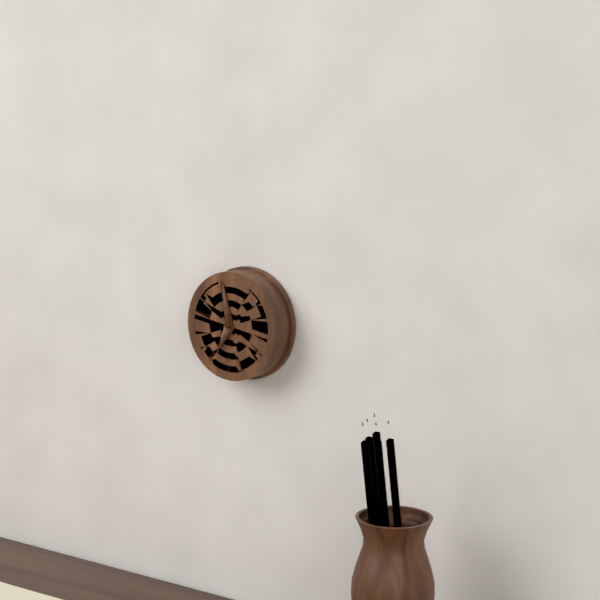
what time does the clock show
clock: 6:58
